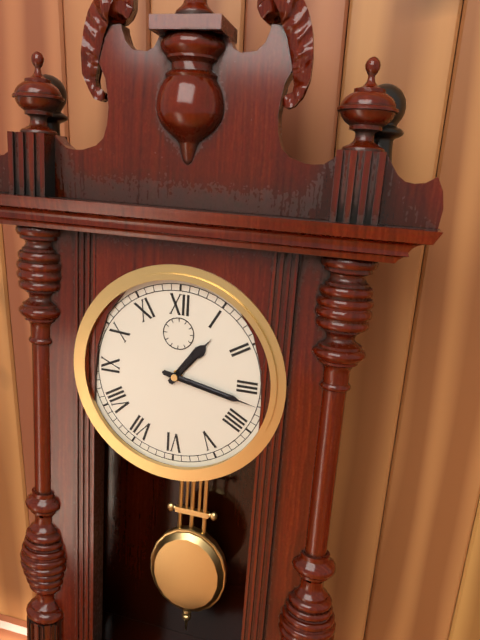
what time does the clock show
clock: 1:17
